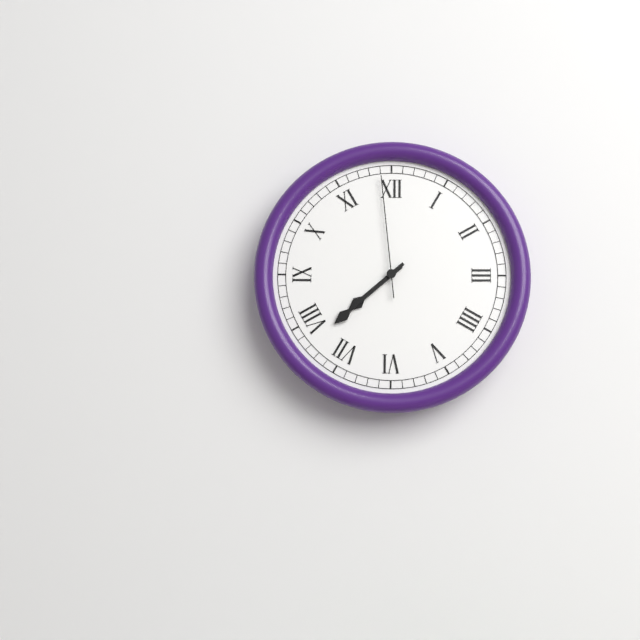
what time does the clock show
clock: 7:38:59
